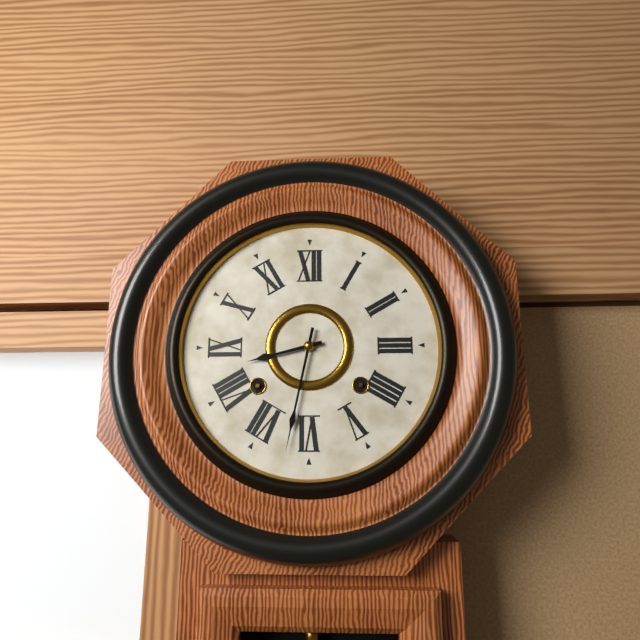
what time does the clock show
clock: 8:32
